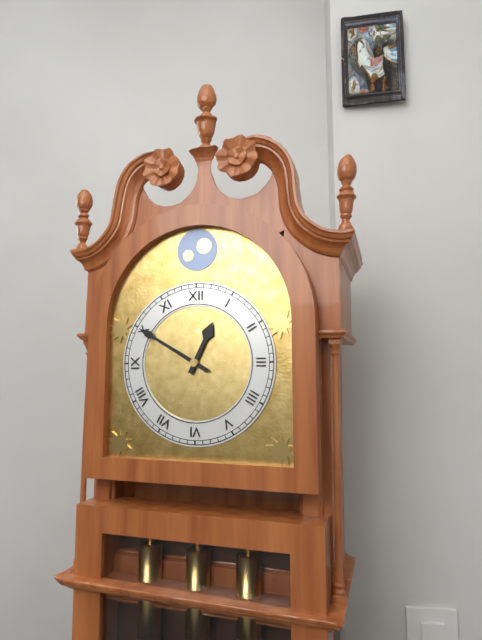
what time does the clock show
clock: 12:50
